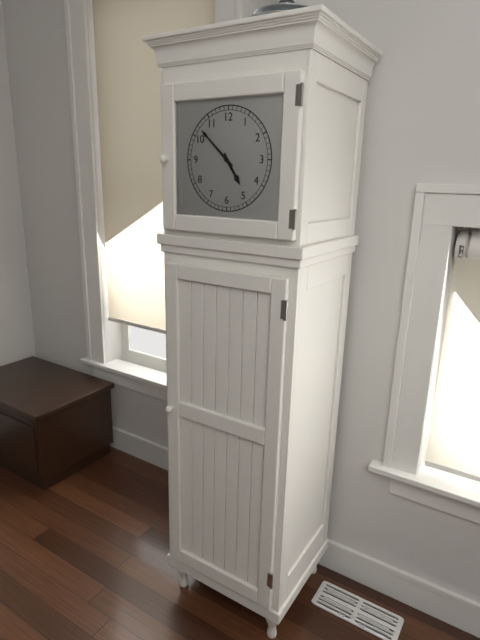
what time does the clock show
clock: 4:52
